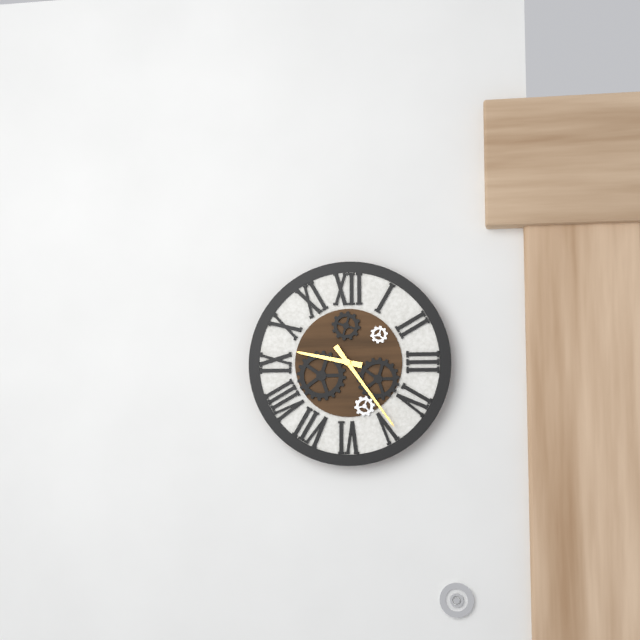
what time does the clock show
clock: 9:24
